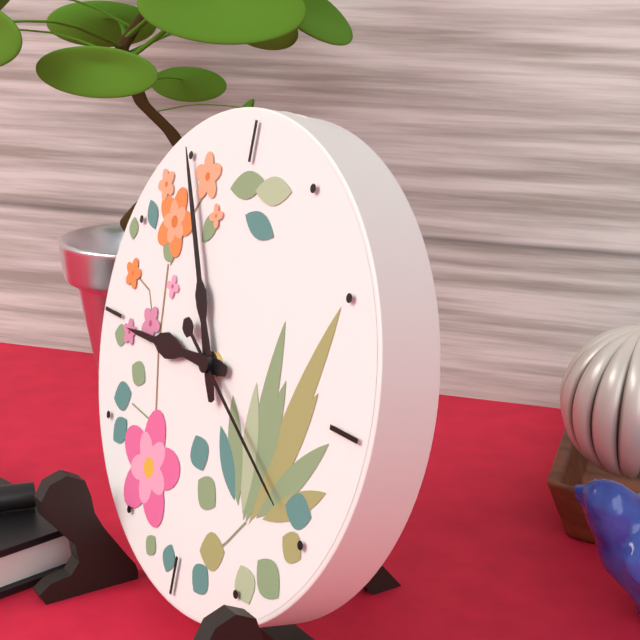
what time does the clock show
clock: 8:55:20
